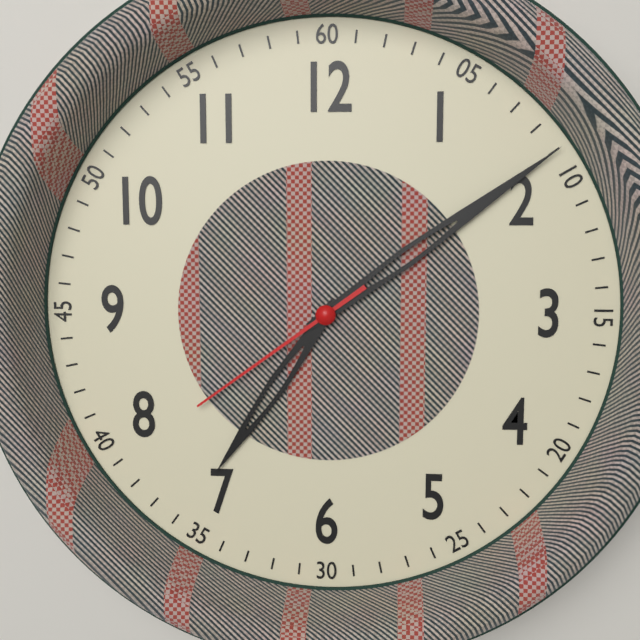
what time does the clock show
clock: 7:09:39
